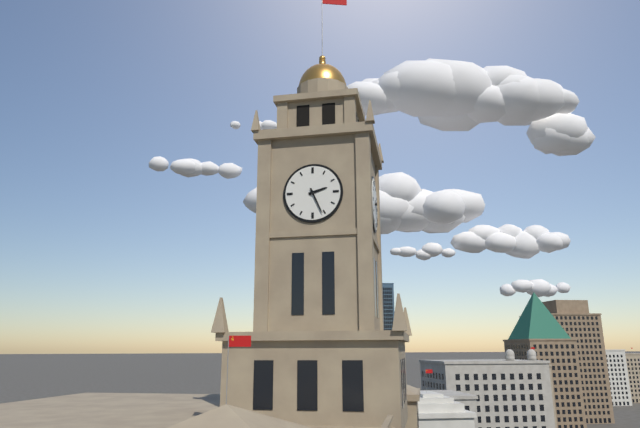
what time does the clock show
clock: 2:26
